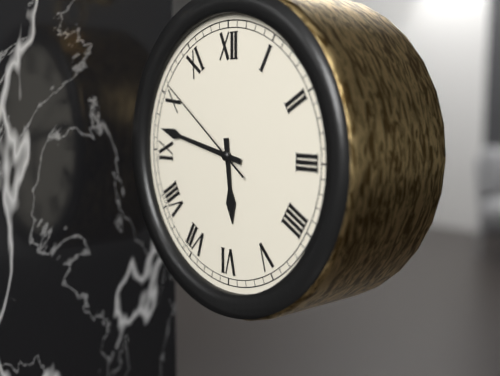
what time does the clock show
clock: 5:47:51
